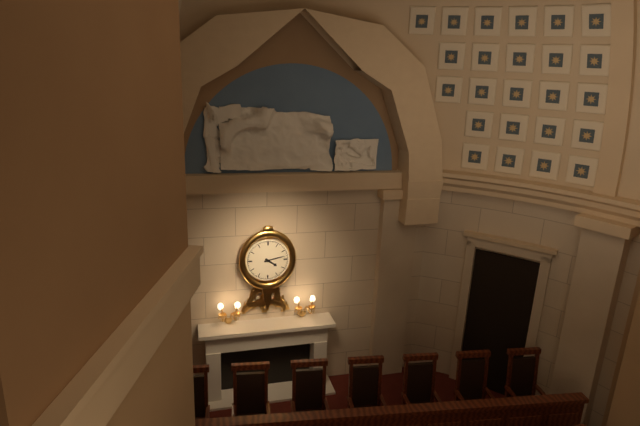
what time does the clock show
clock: 4:13
